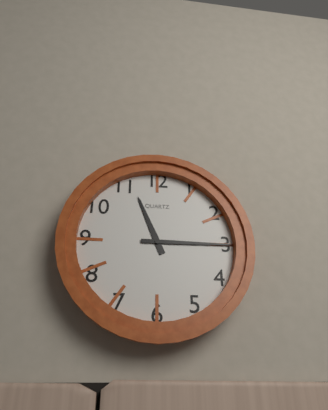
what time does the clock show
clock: 11:15
